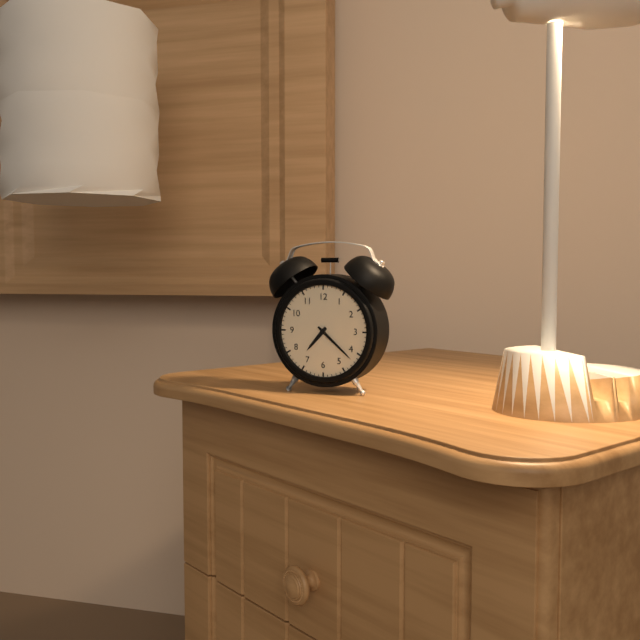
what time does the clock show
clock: 7:22
